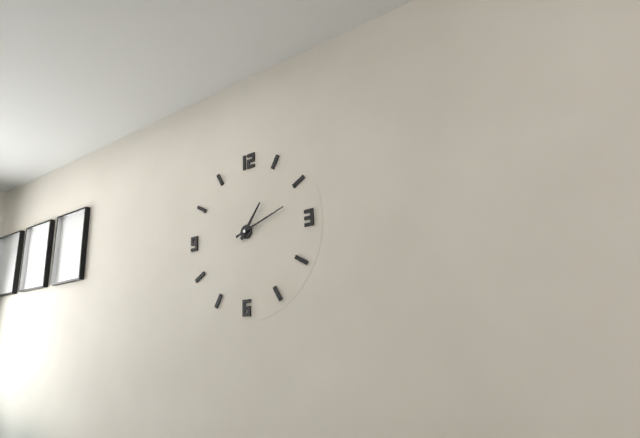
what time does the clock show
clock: 1:12
